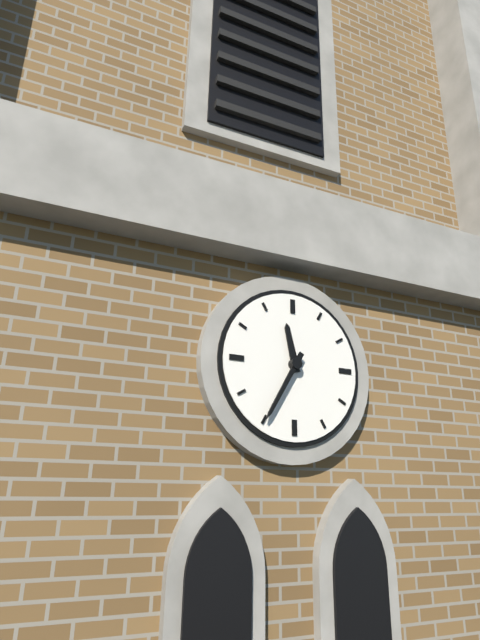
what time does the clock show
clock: 11:35
